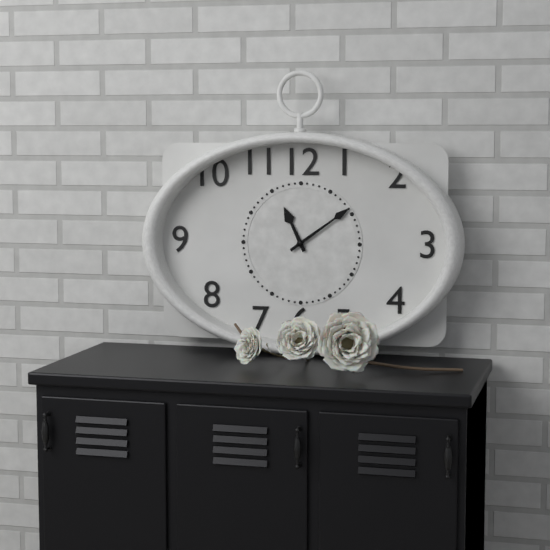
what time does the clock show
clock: 11:09
